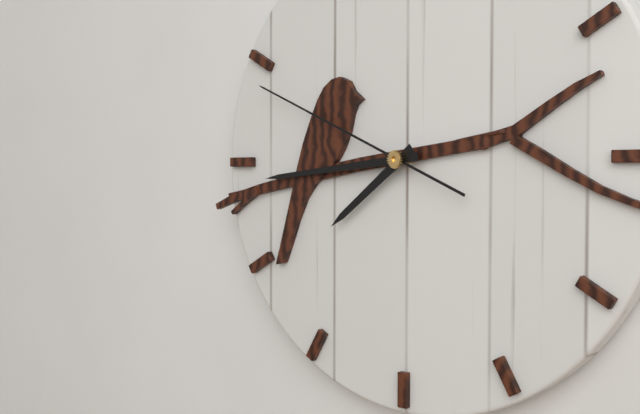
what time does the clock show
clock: 7:44:49
